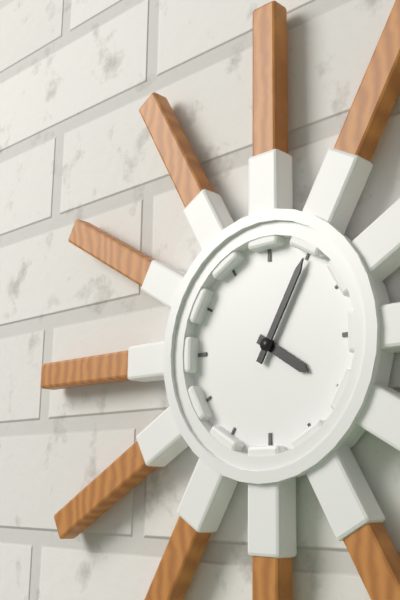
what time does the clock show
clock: 4:05
